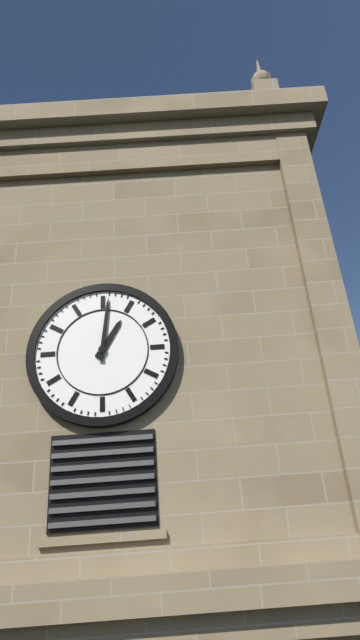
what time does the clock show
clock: 1:01
